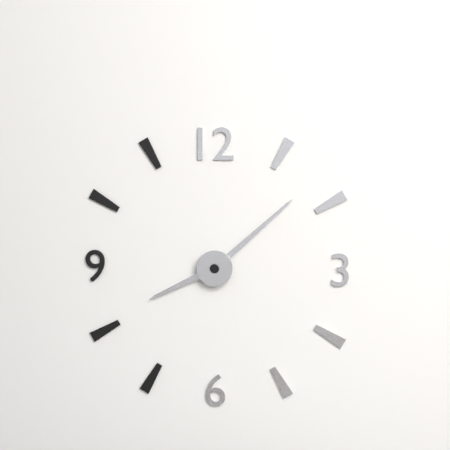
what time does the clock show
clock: 8:08
